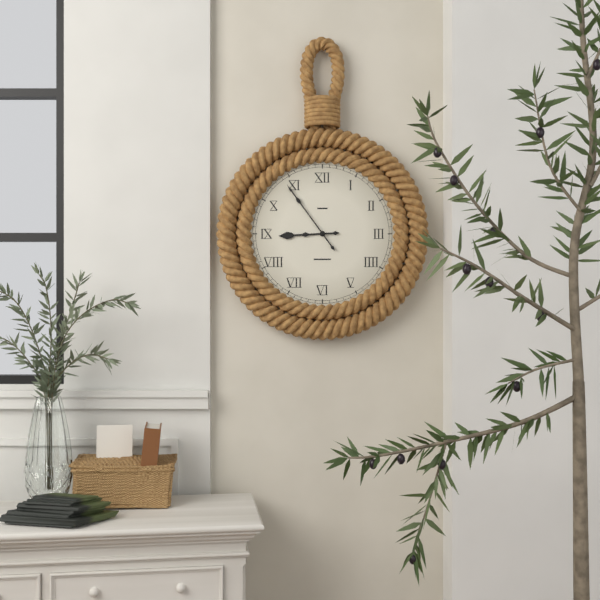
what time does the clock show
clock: 8:54
